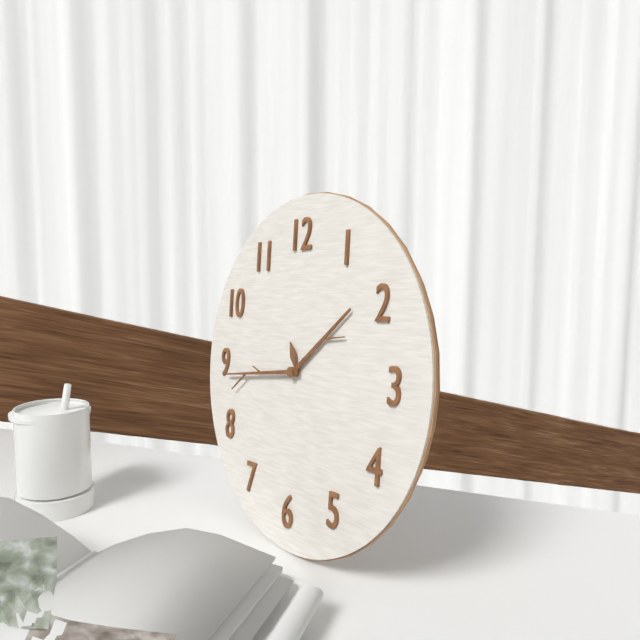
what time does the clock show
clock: 1:44
